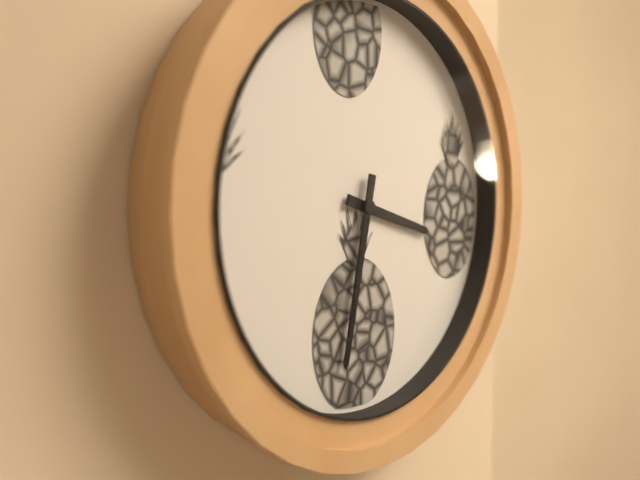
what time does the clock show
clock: 3:32
